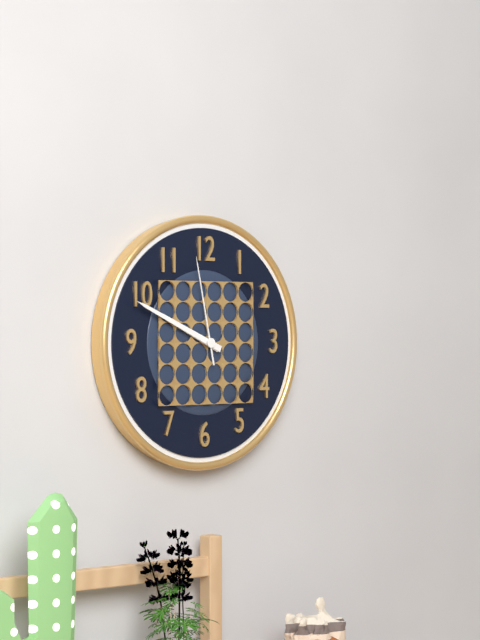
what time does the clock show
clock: 9:49:58
